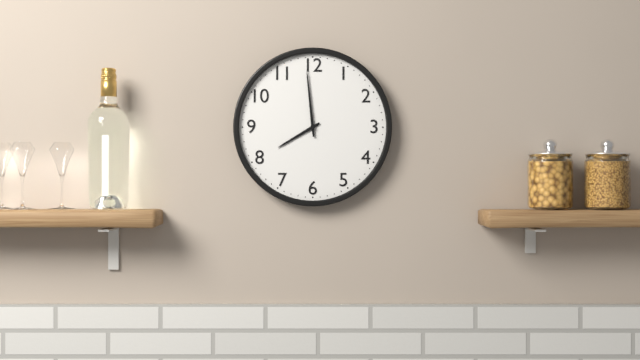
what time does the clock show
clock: 7:59
